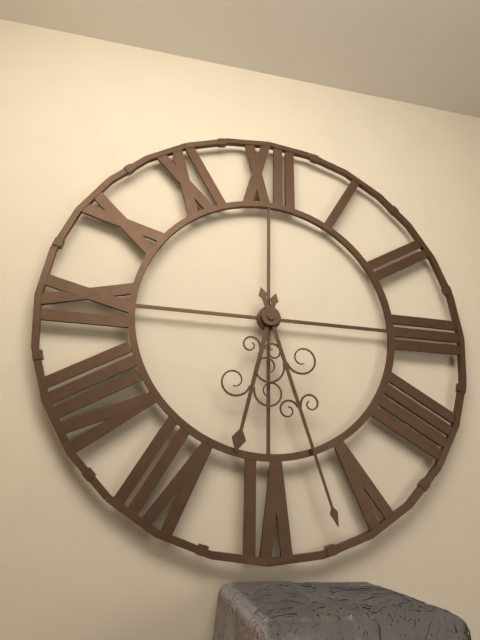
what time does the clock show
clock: 6:27
